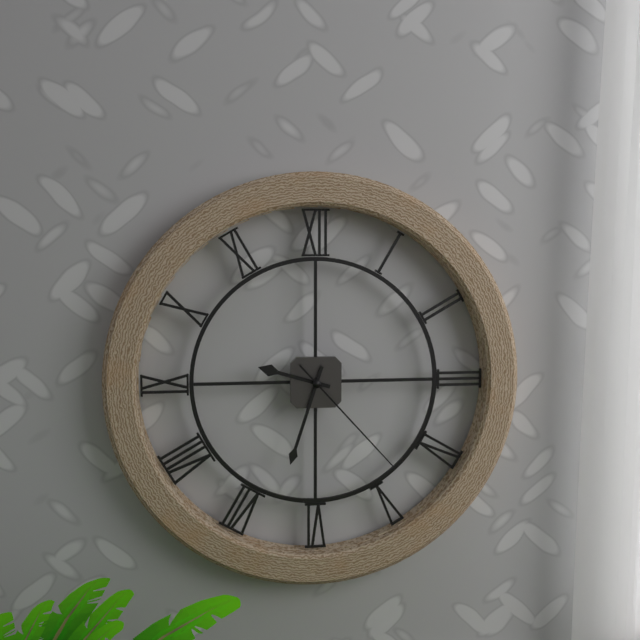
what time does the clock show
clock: 9:33:23
